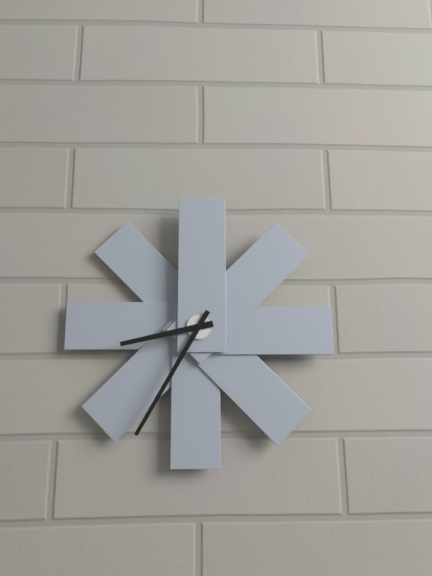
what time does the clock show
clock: 8:35
